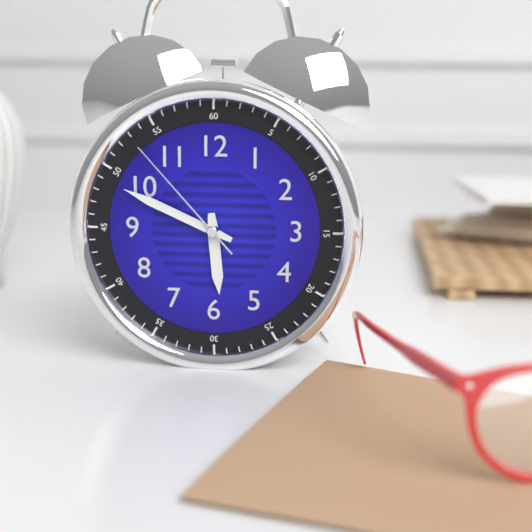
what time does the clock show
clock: 5:49:53
